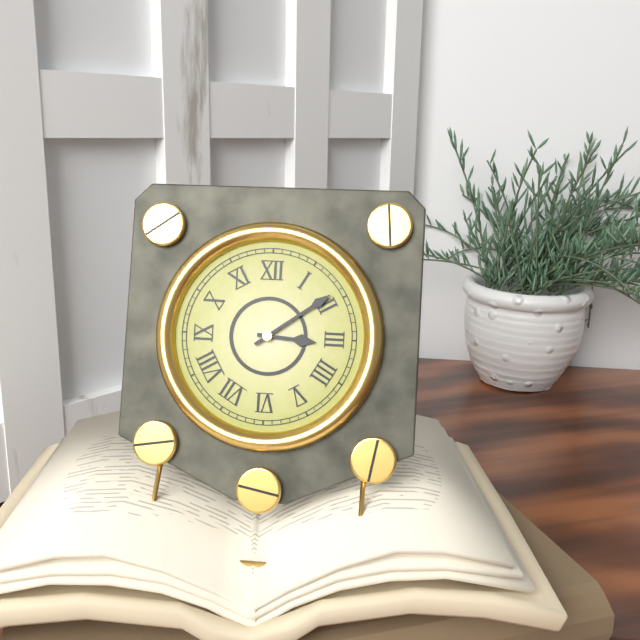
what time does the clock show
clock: 3:09
